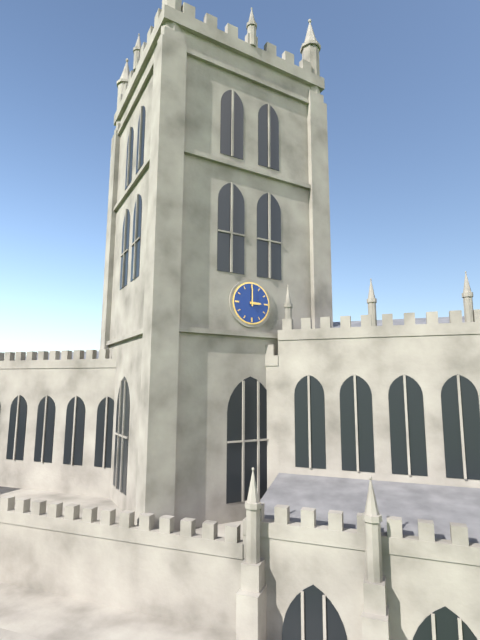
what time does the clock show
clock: 3:00
